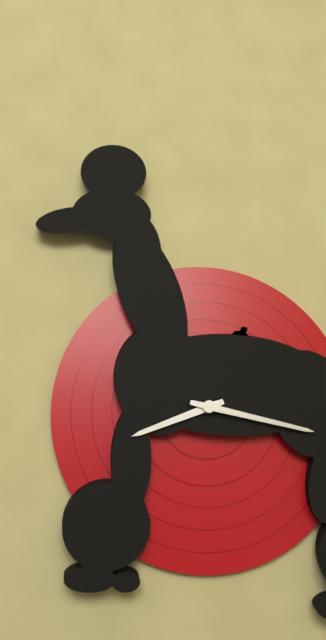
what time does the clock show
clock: 8:17
